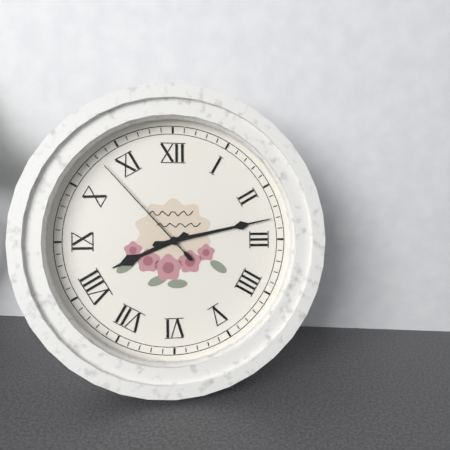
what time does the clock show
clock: 8:13:53
